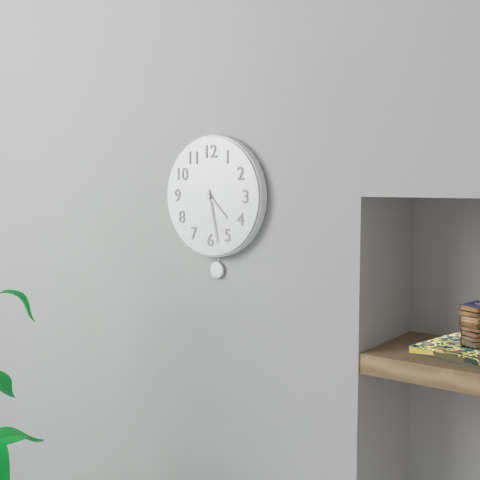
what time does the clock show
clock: 4:28
